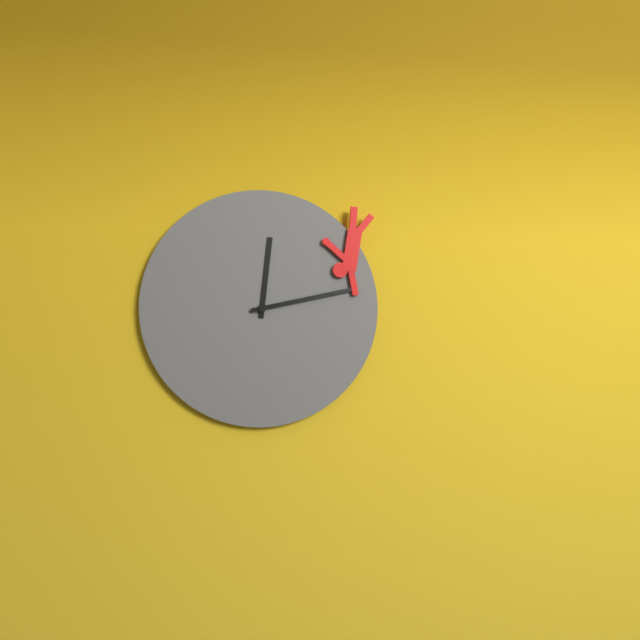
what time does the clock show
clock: 12:13
